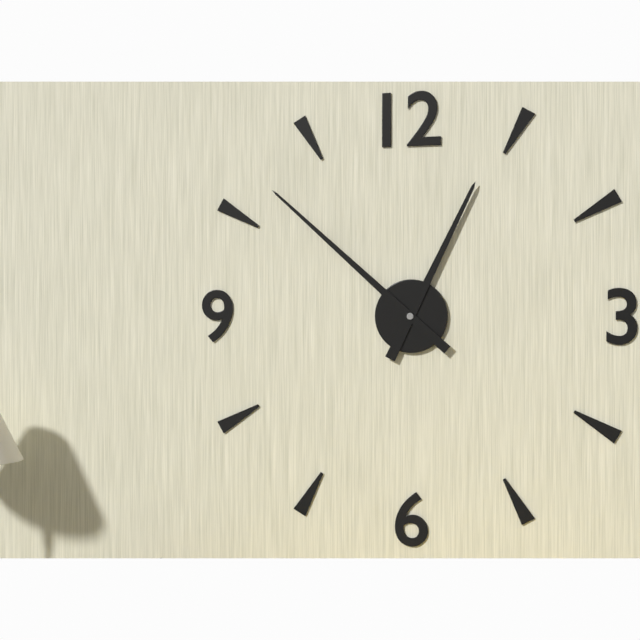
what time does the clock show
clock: 12:52
